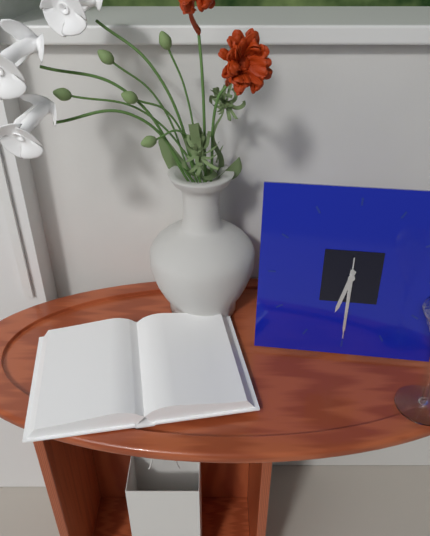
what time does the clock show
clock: 6:30:30
